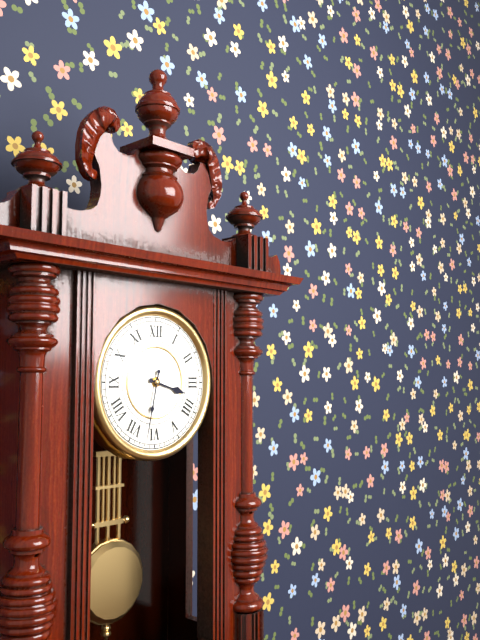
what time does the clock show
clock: 3:32
